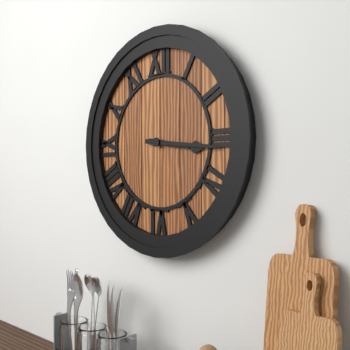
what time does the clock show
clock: 3:16
